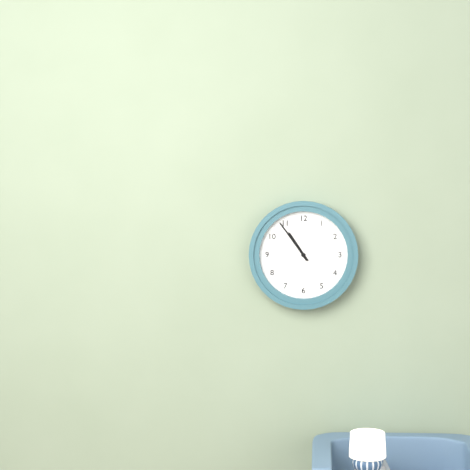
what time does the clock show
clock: 10:54
